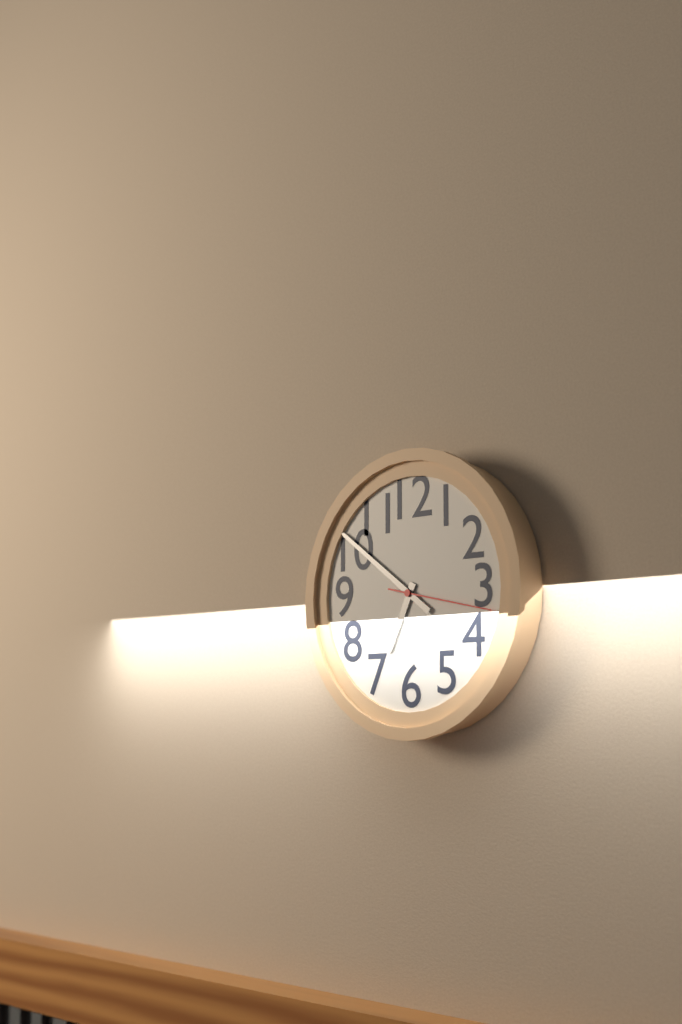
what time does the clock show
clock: 6:51:17
